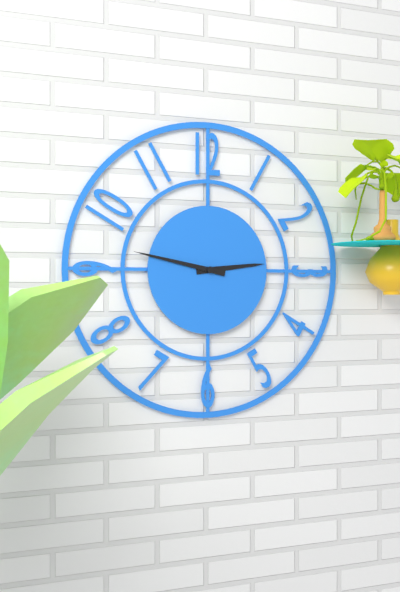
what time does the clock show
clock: 2:47
